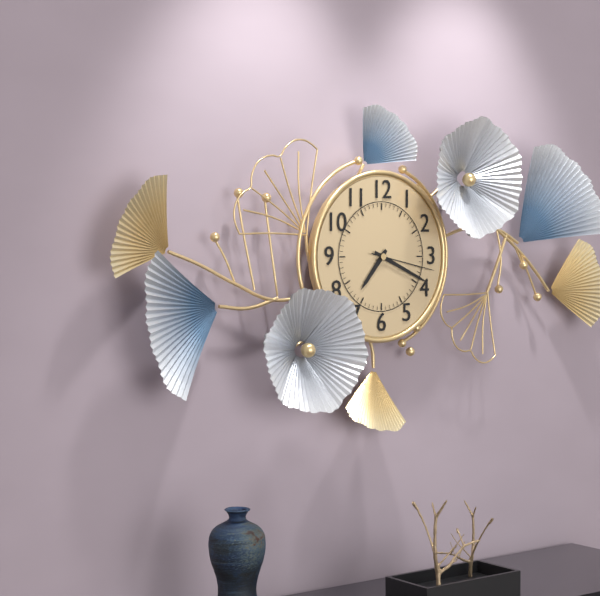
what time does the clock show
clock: 7:19:17
